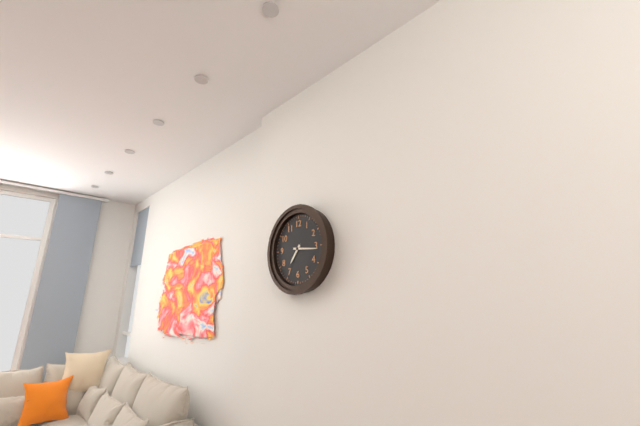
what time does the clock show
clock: 7:16
